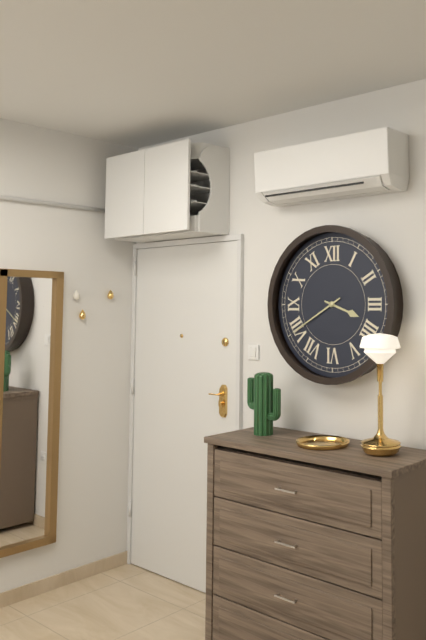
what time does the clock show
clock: 3:40
